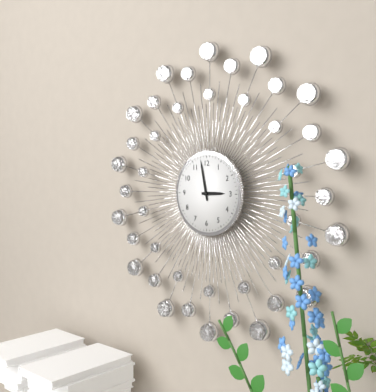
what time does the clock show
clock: 2:58
